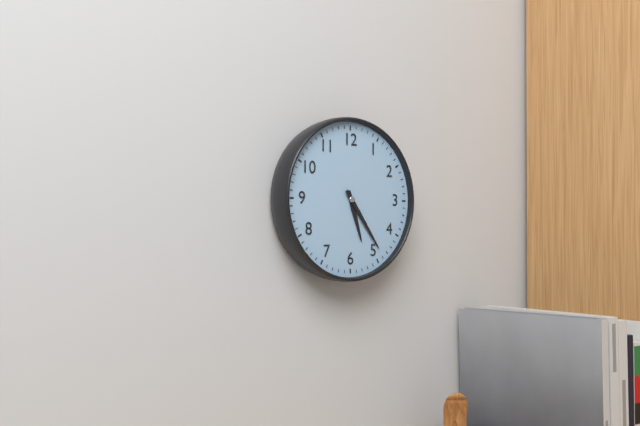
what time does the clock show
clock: 5:24
